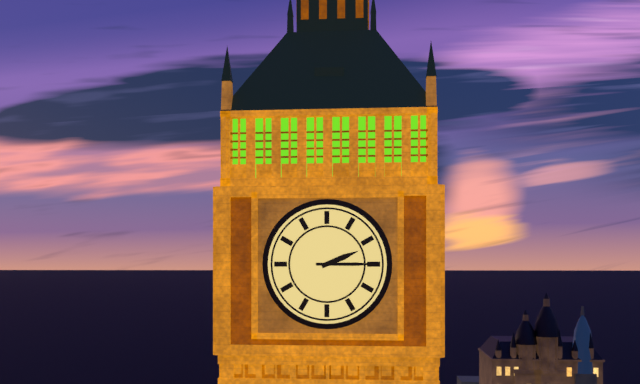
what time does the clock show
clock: 2:15
